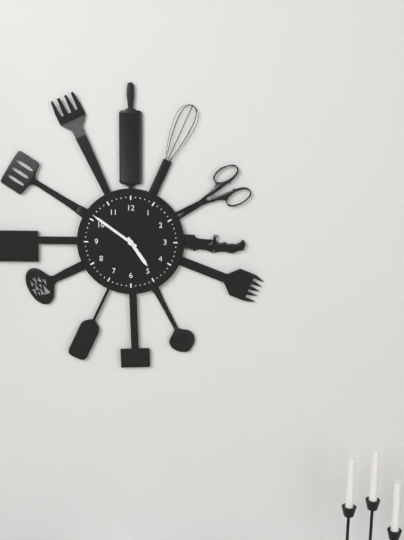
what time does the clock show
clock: 4:51
